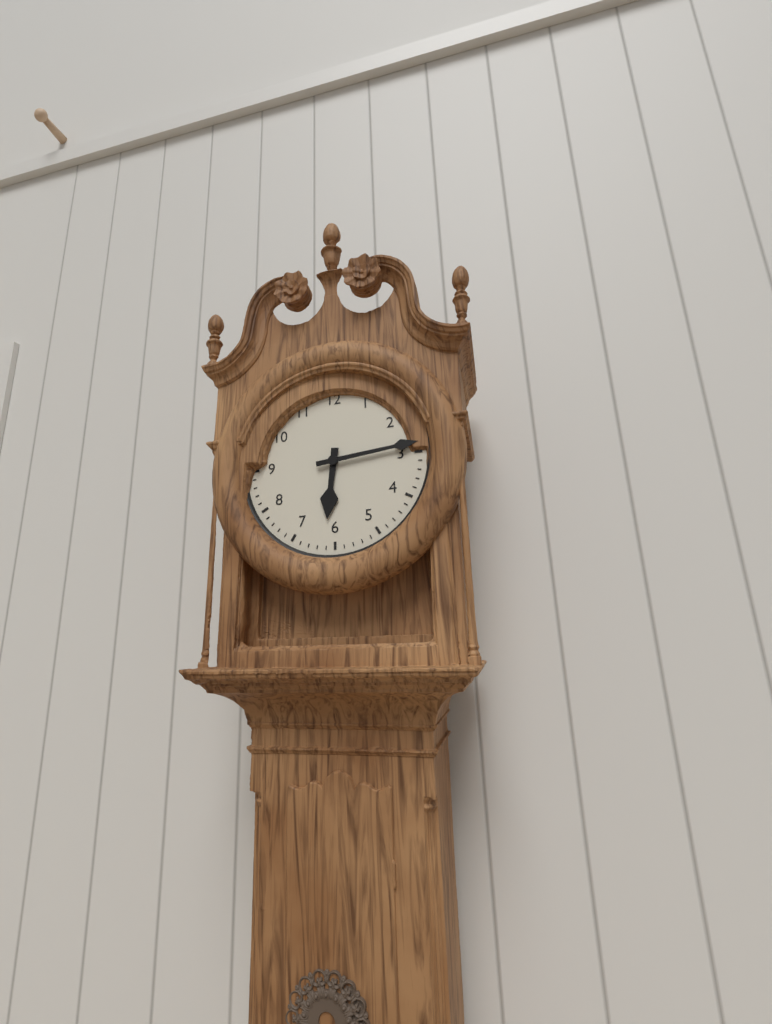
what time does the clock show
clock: 6:14
